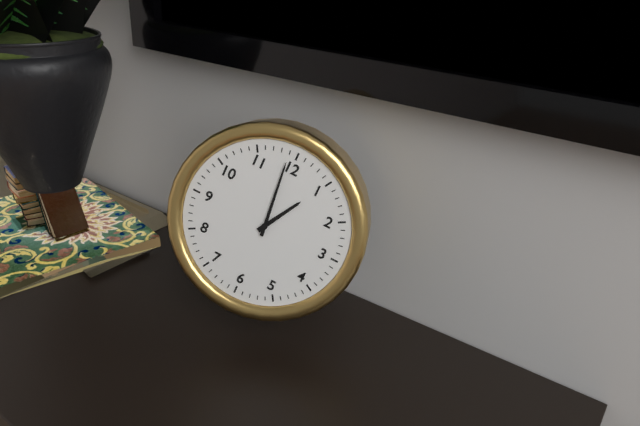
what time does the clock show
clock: 12:59
